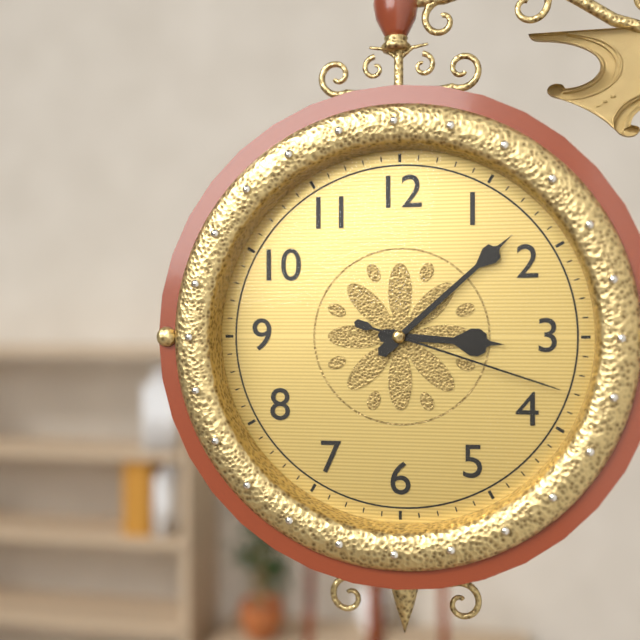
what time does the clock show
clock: 3:08:18
